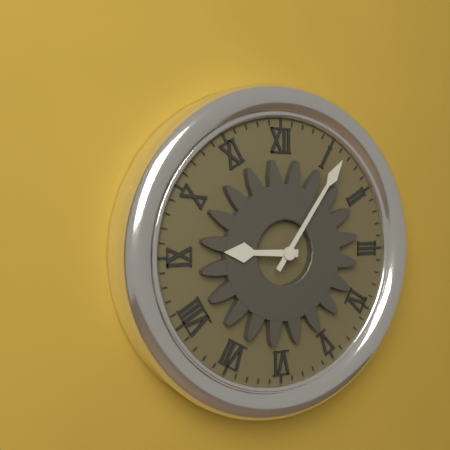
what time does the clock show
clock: 9:06
